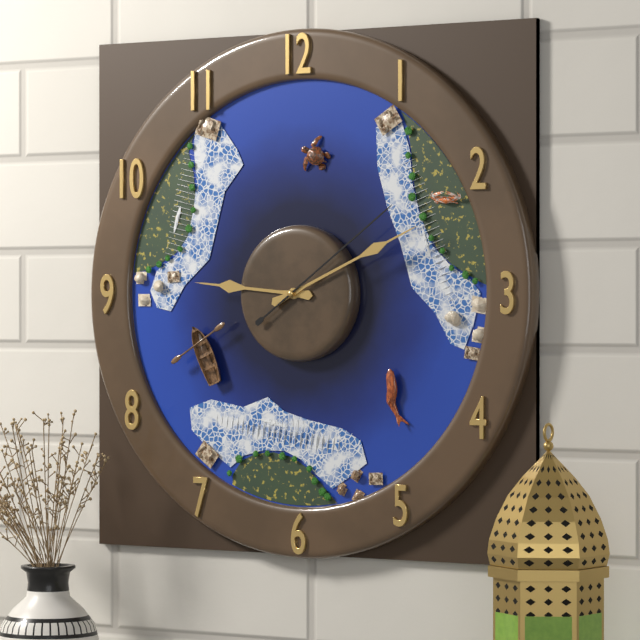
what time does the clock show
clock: 9:11:09
